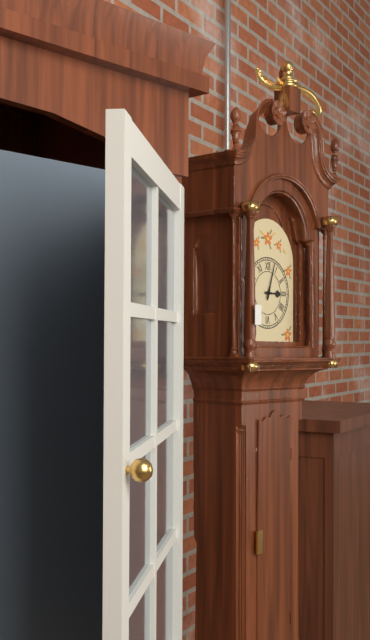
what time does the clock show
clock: 3:03
